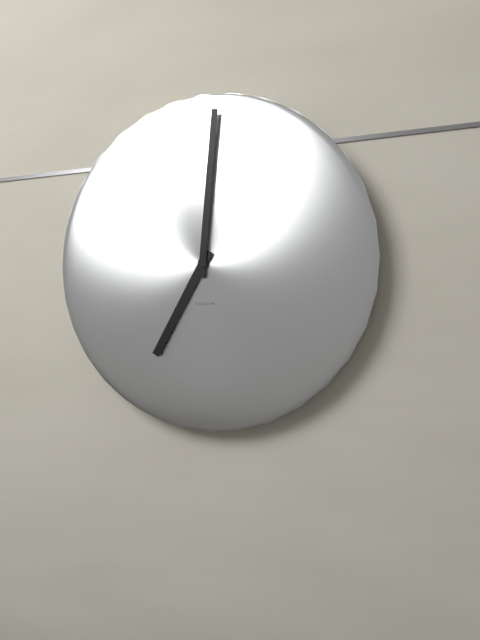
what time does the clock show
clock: 7:01
